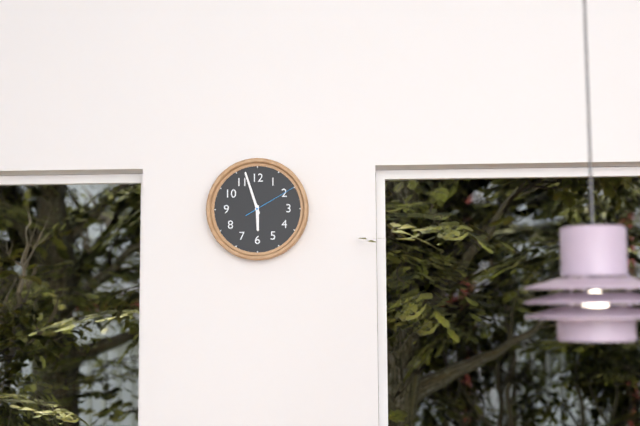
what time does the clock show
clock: 5:57:10
